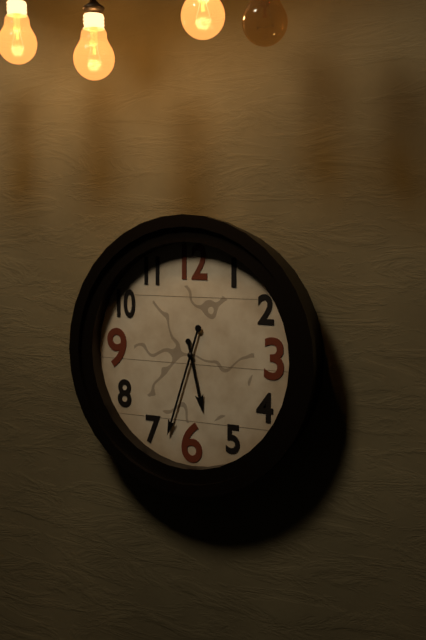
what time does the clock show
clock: 5:33
